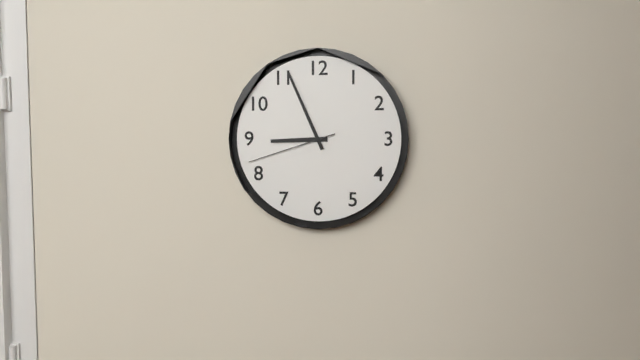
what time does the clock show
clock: 8:56:42
